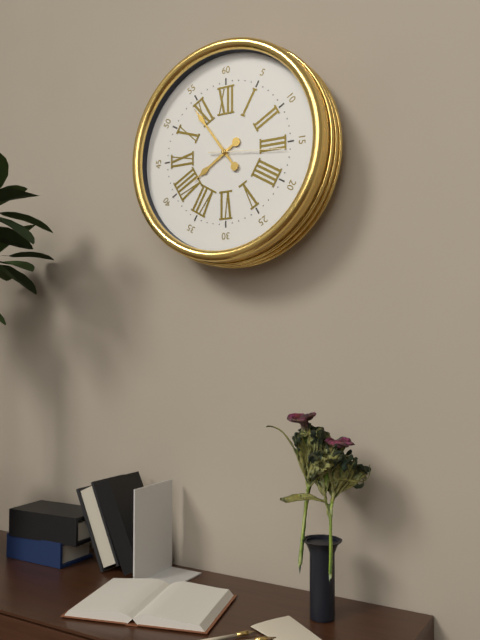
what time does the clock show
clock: 7:54:16
